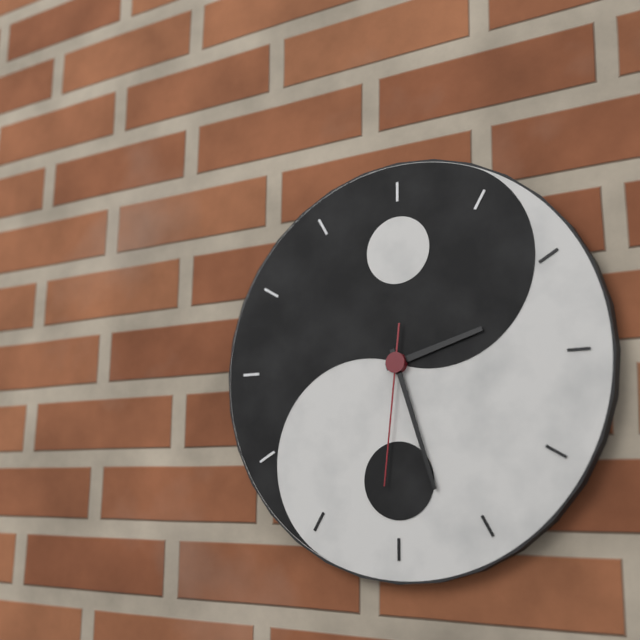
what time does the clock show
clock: 2:27:31
